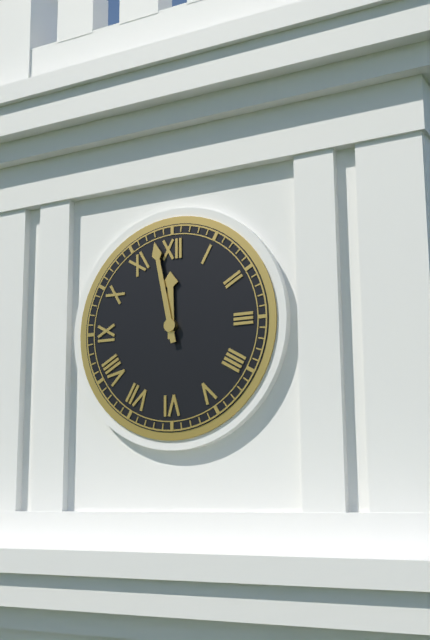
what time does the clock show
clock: 11:58
